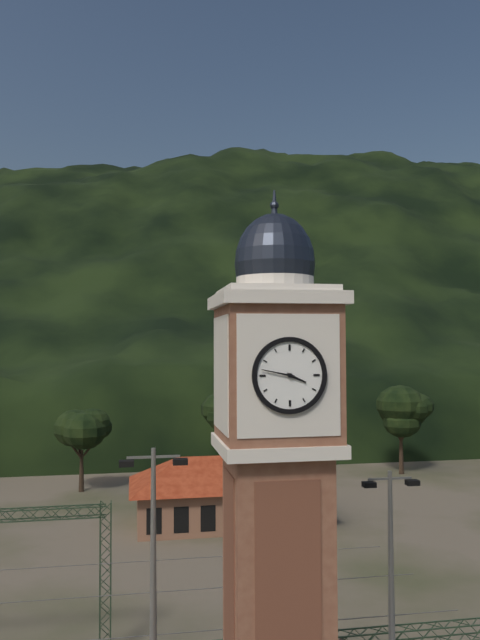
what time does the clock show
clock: 3:47
